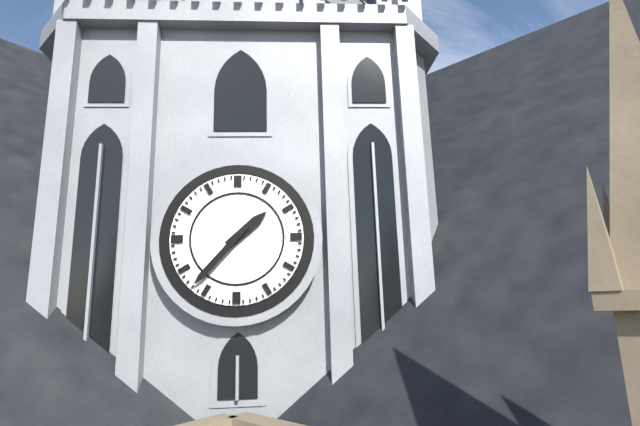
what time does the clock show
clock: 1:37
